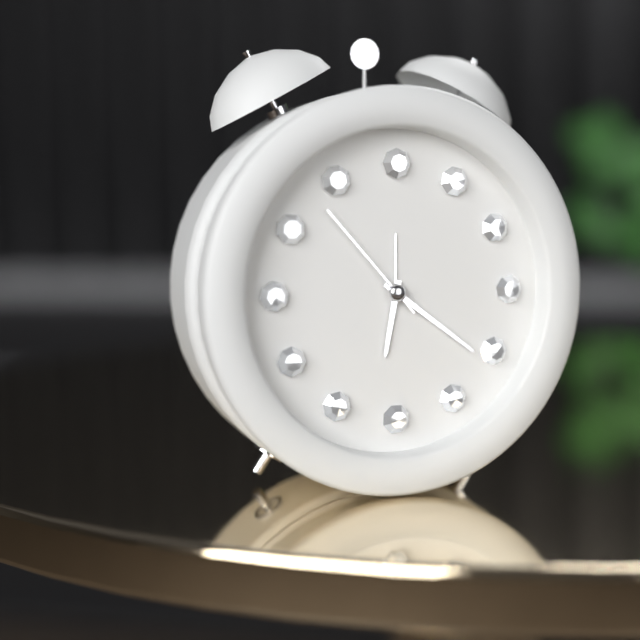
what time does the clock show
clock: 6:21:53
